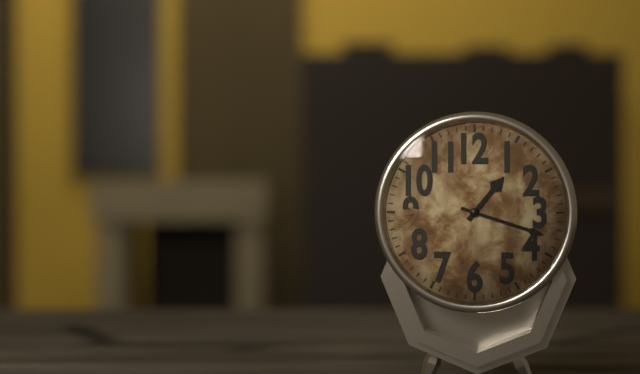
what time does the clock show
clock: 1:18
